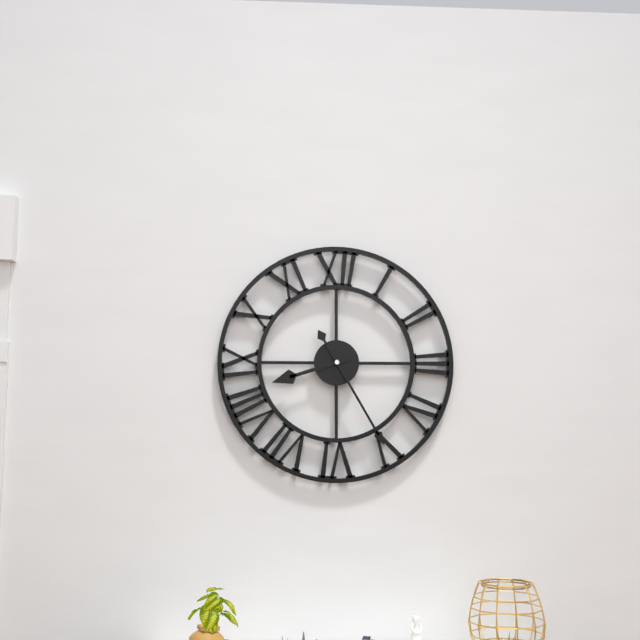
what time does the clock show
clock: 8:25
